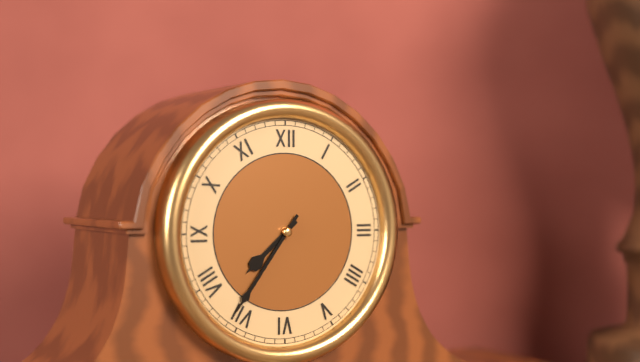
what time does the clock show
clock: 7:36
